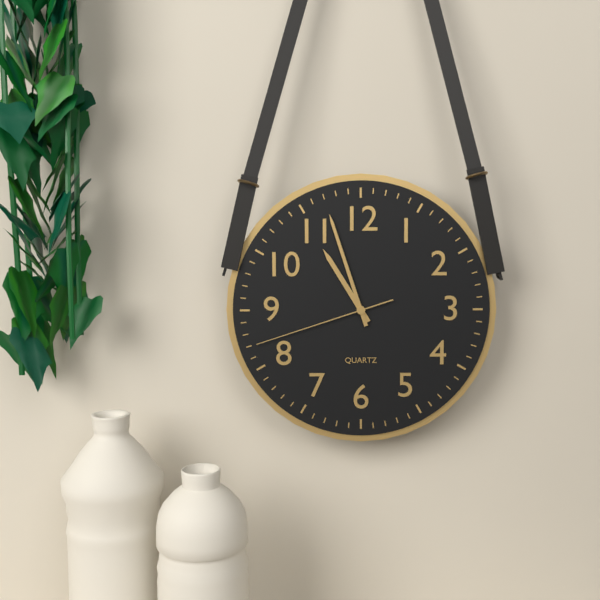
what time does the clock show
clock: 10:57:42
